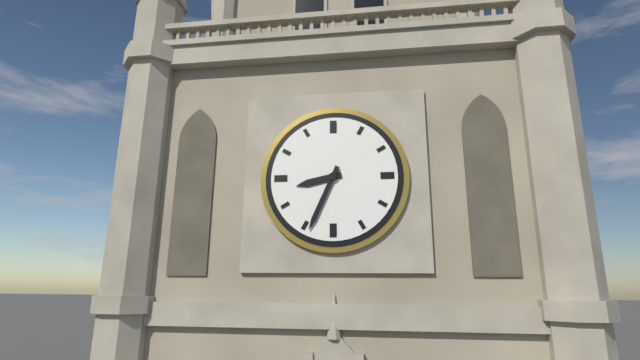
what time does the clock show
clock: 8:34
